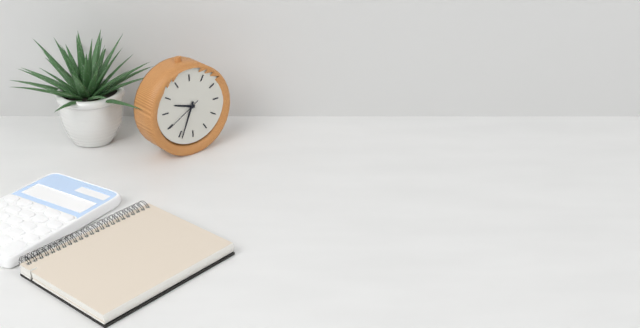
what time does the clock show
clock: 9:34
